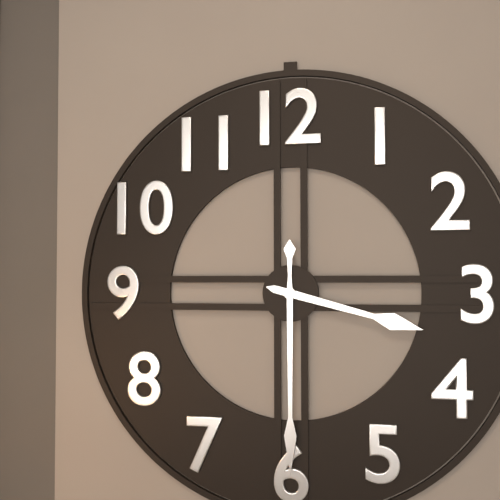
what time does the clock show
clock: 3:30
